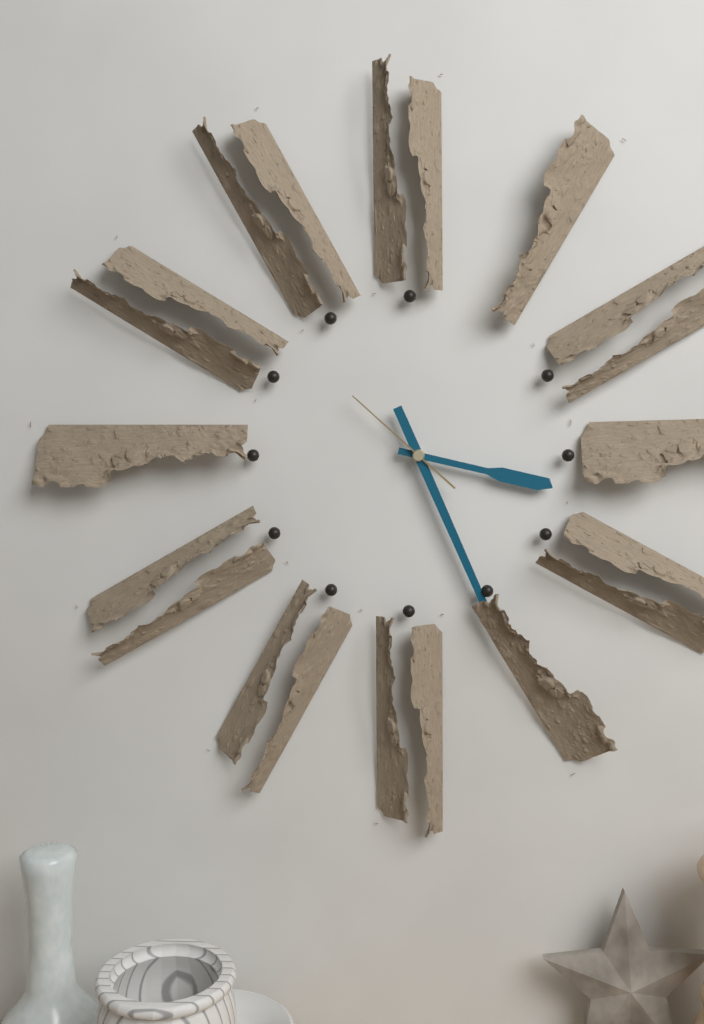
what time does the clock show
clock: 3:26:52
